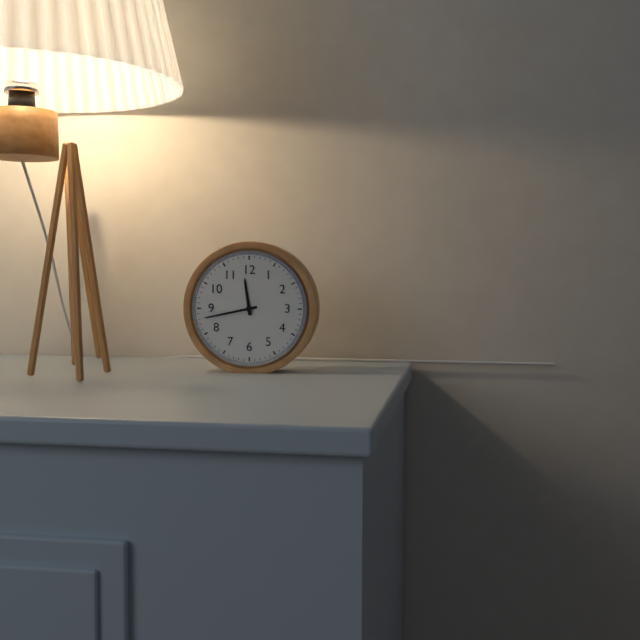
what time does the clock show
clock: 11:43
